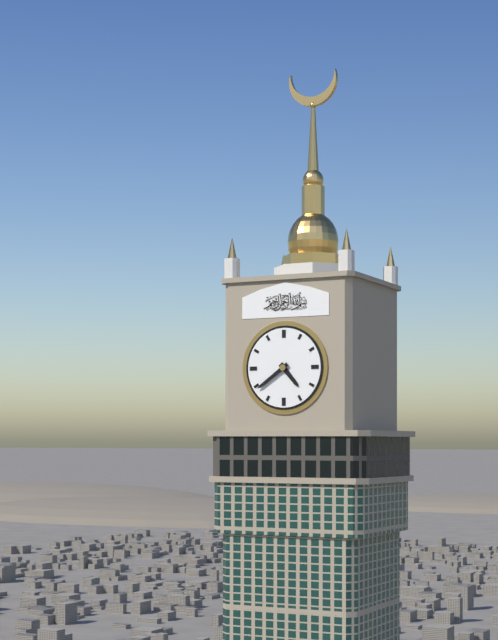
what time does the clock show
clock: 4:39
